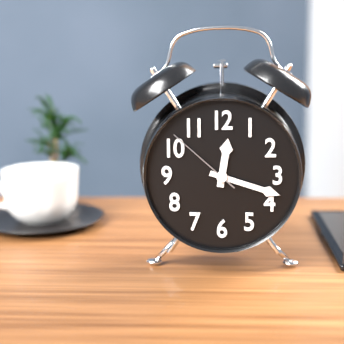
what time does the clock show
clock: 12:18:52
